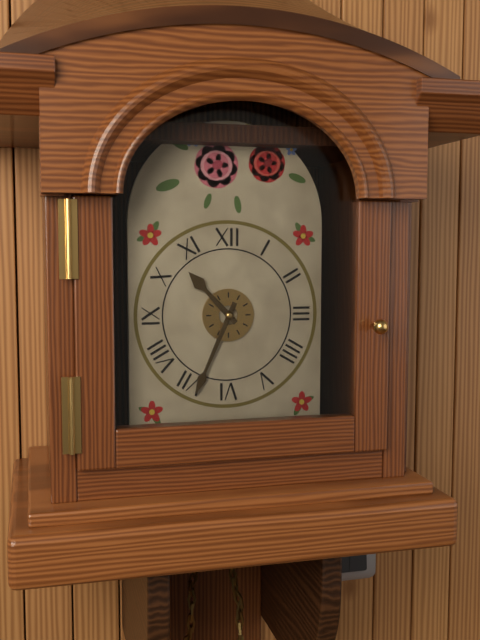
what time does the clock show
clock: 10:34
